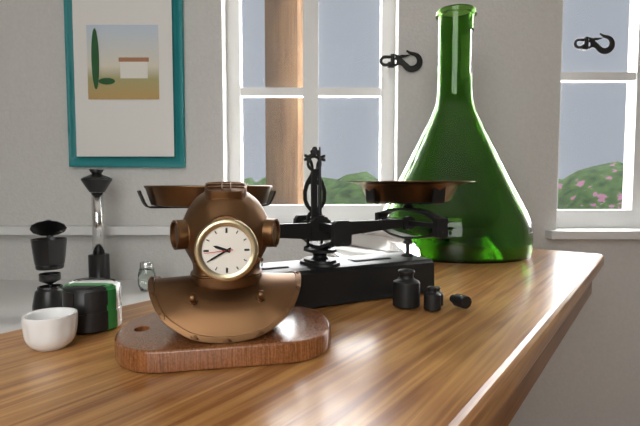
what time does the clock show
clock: 9:40
